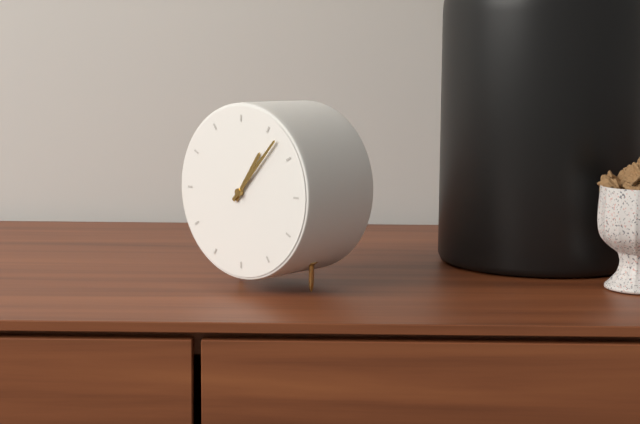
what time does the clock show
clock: 1:07
